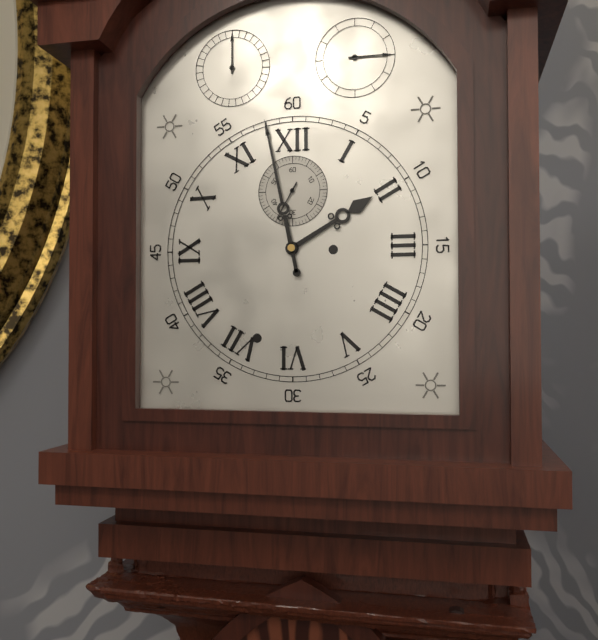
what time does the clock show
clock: 1:58
